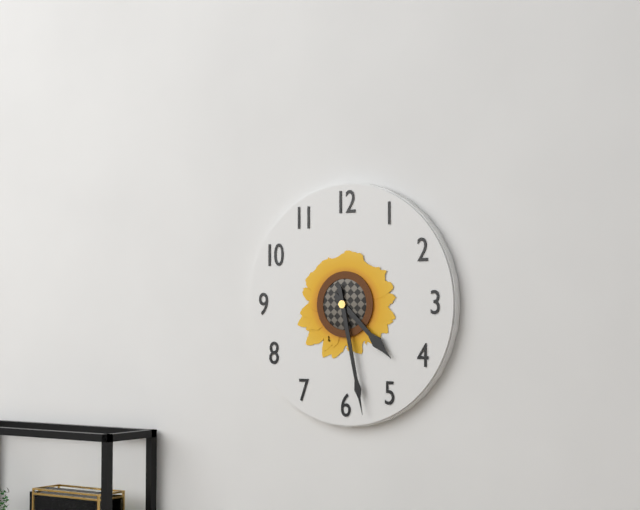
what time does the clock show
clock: 4:28
